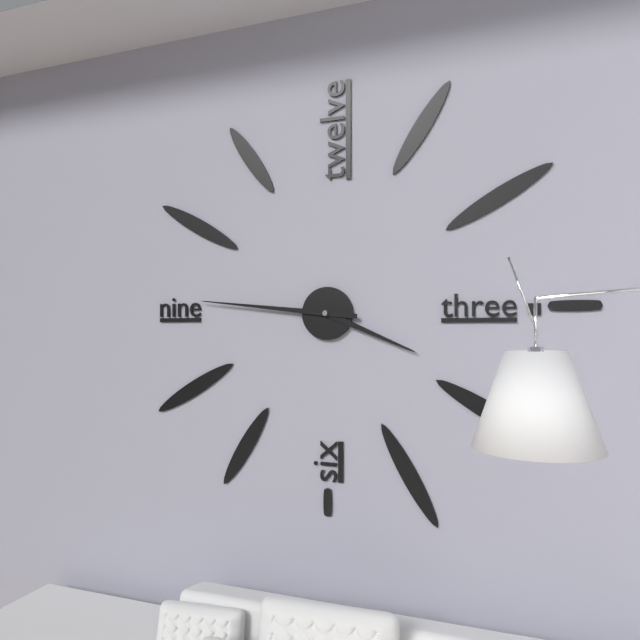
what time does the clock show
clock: 3:46
